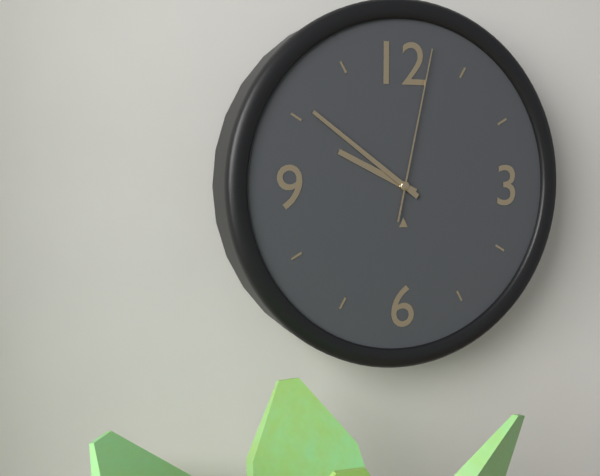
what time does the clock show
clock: 9:51:02
